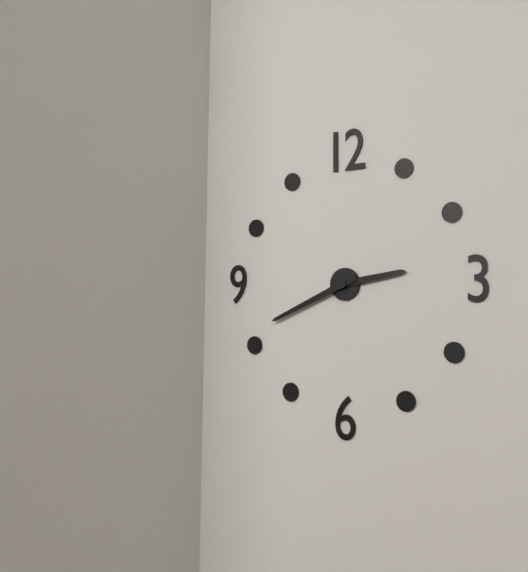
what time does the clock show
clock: 2:41
